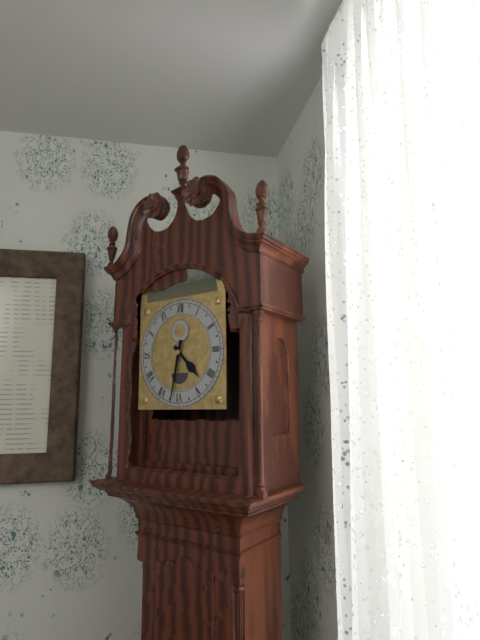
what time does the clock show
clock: 4:32
